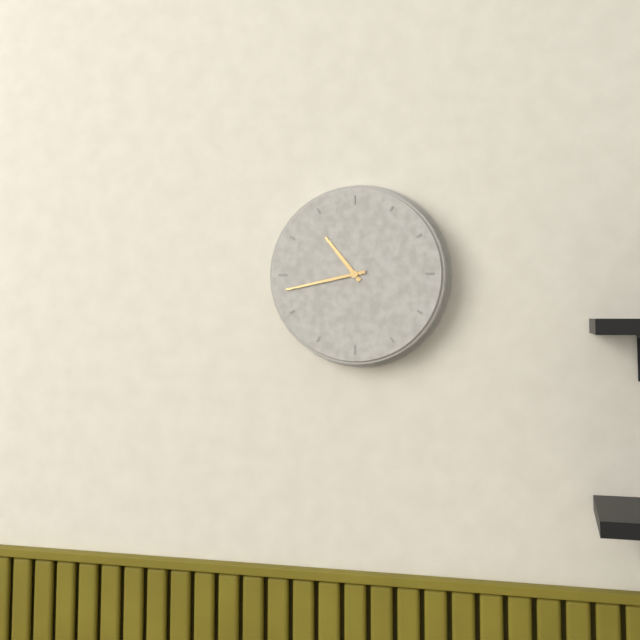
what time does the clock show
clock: 10:43
